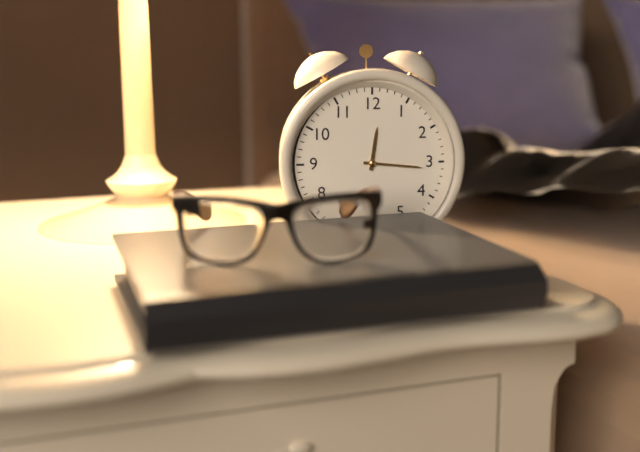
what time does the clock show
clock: 12:16
